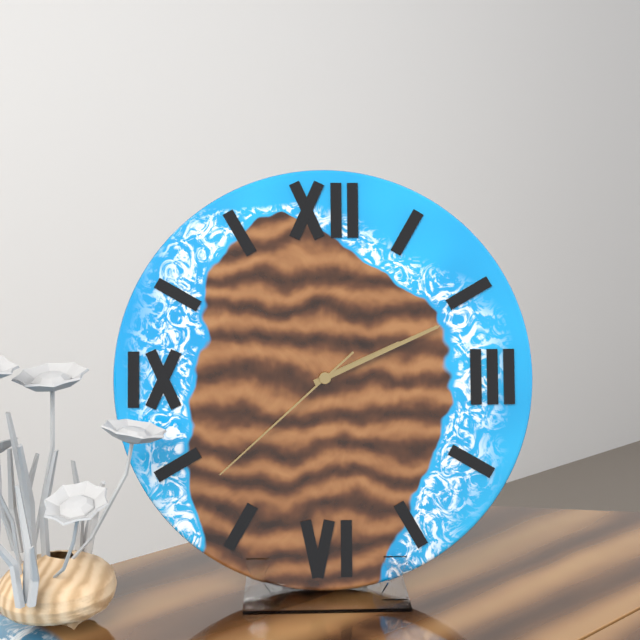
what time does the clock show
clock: 2:11:38
